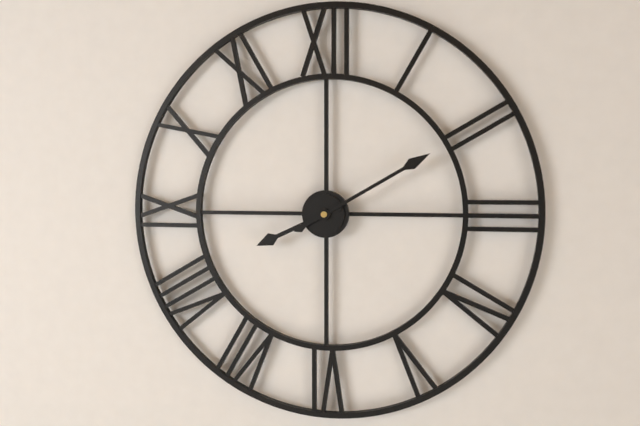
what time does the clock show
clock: 8:10
